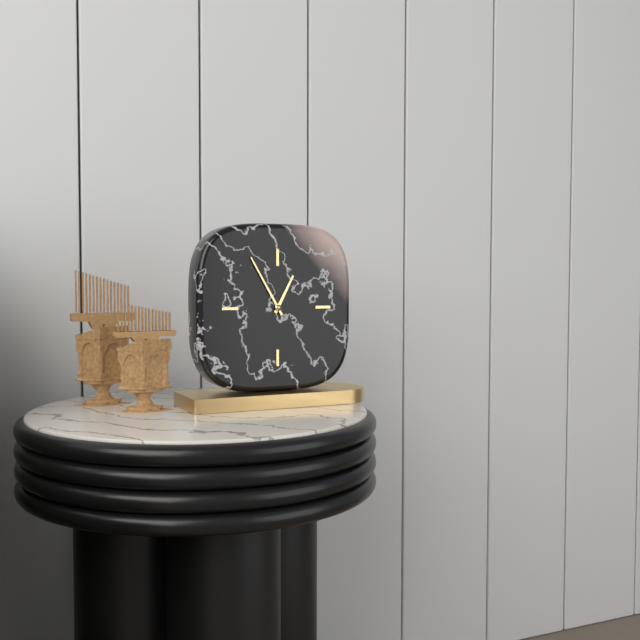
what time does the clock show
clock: 12:55
